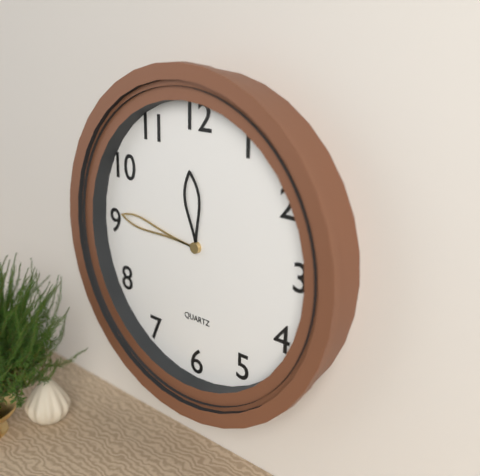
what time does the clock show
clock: 11:46
